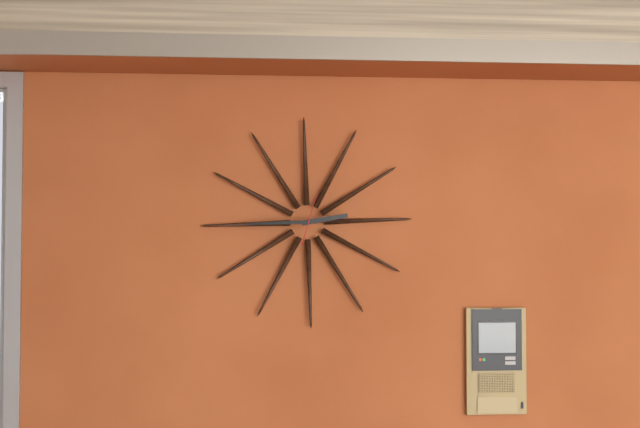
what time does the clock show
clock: 2:45
